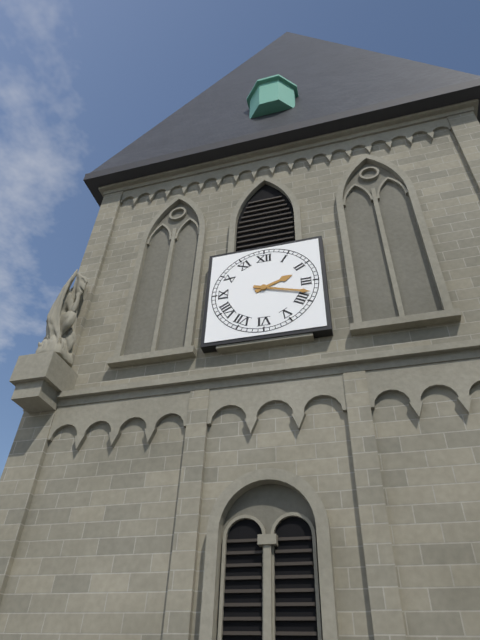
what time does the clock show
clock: 2:18
